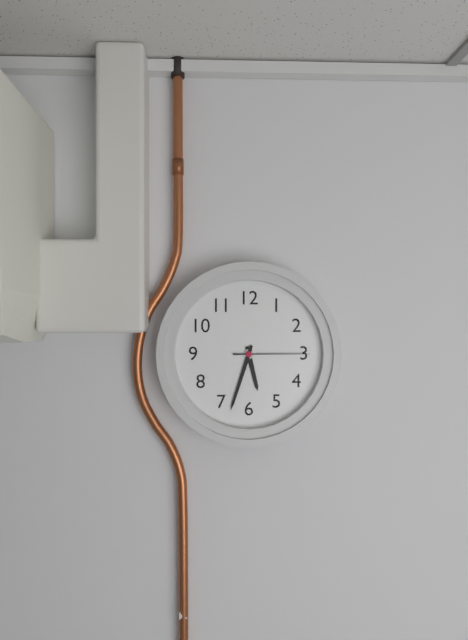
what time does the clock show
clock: 5:33:15
